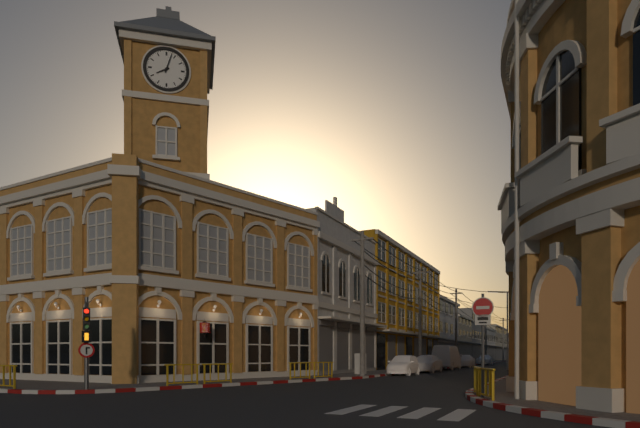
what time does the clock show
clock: 8:03
